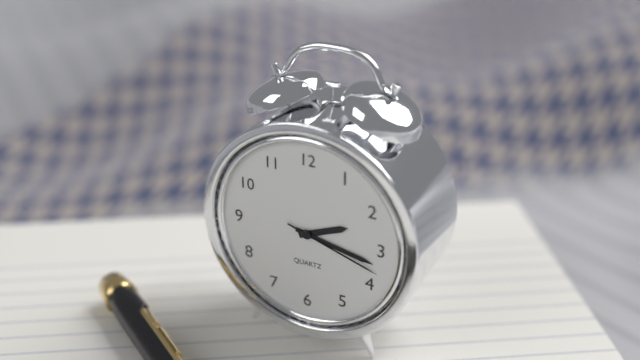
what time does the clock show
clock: 2:17:18
